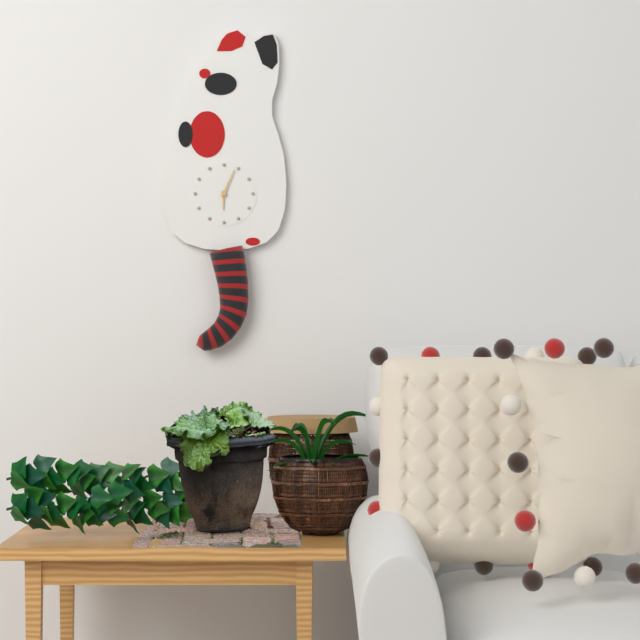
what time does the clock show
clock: 6:04
